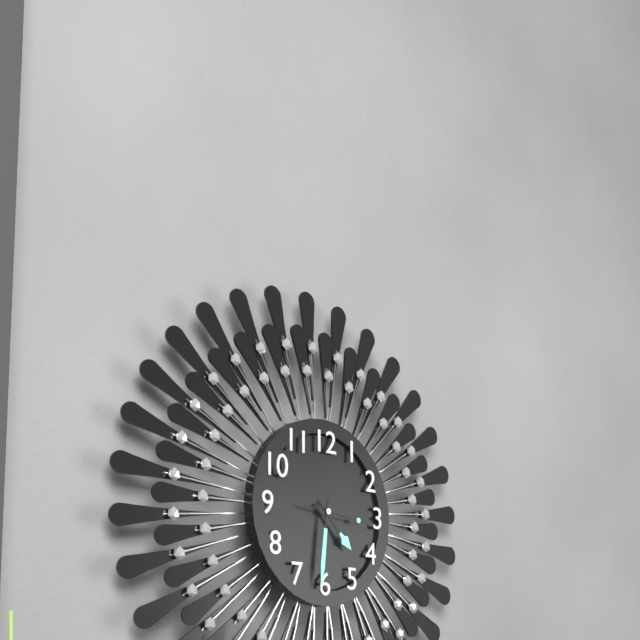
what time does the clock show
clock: 4:31:16
